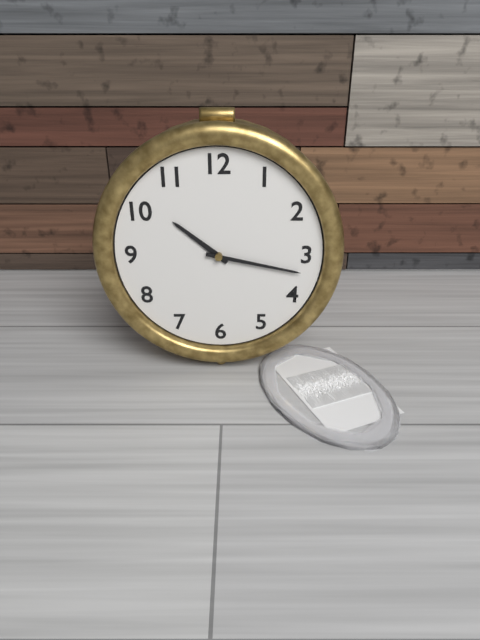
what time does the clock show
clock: 10:17
